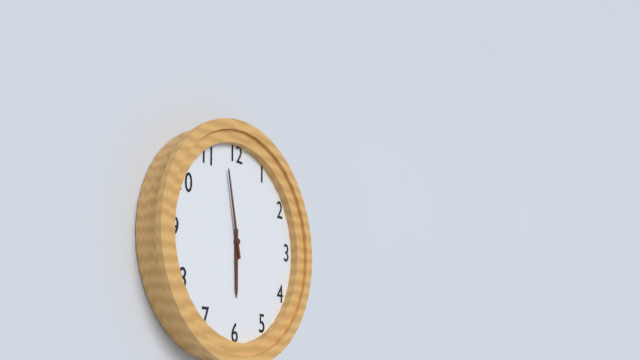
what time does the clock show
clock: 5:58
